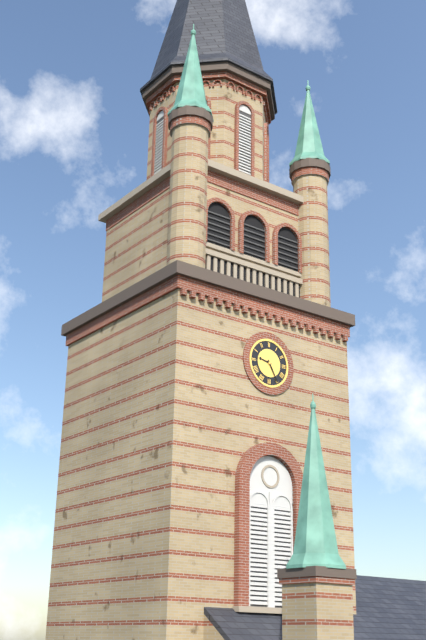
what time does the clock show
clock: 9:25
